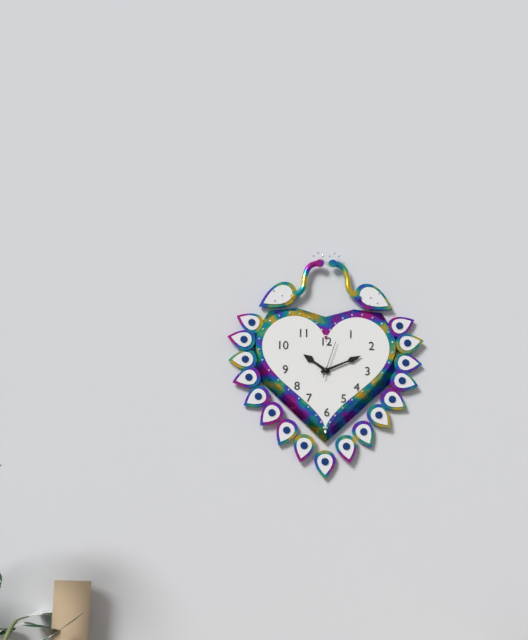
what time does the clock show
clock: 10:11
